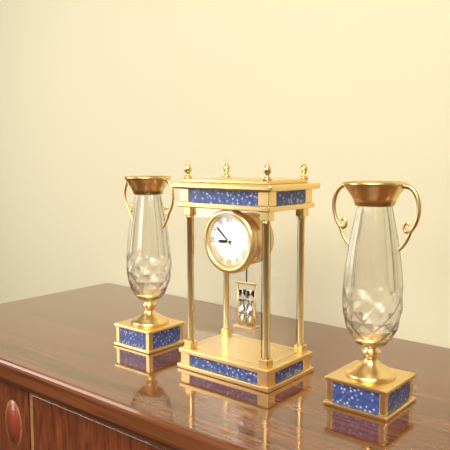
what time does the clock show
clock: 8:52
